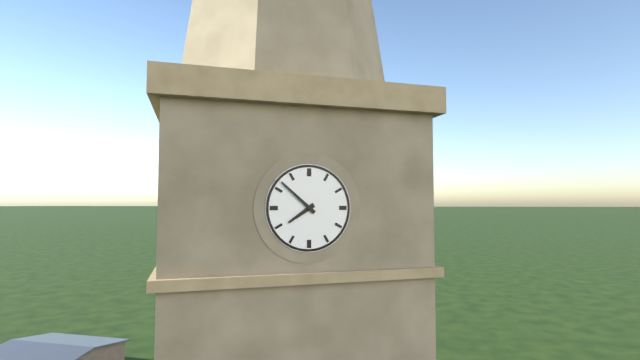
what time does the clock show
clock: 7:52
